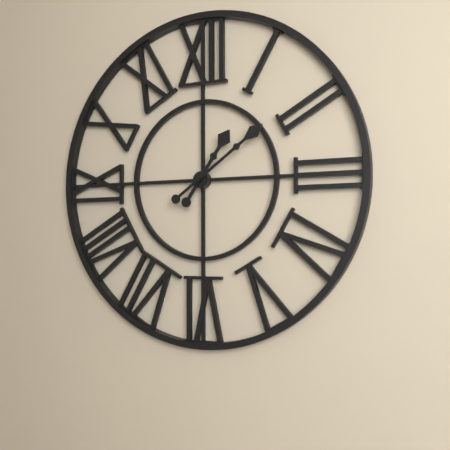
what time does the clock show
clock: 1:09
